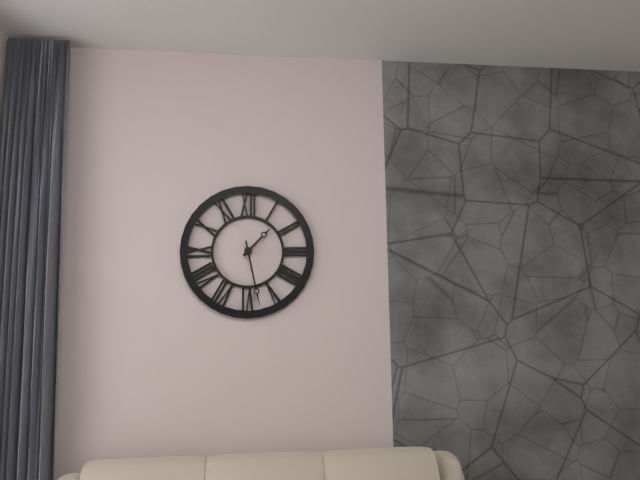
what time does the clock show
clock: 1:28
